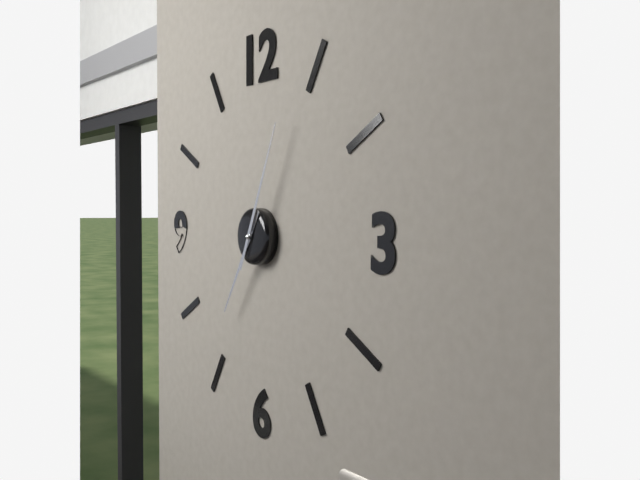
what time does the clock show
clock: 7:04
